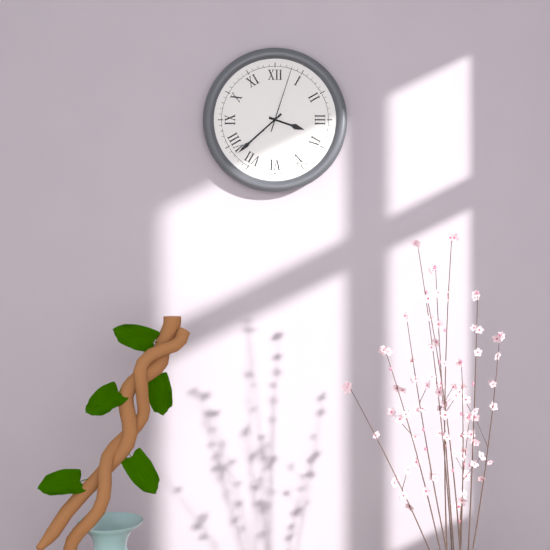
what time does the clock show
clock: 3:38:03
